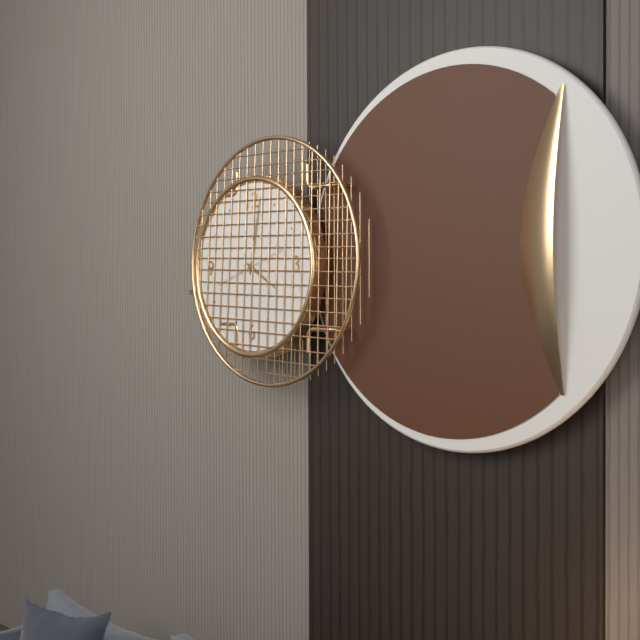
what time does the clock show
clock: 4:02
